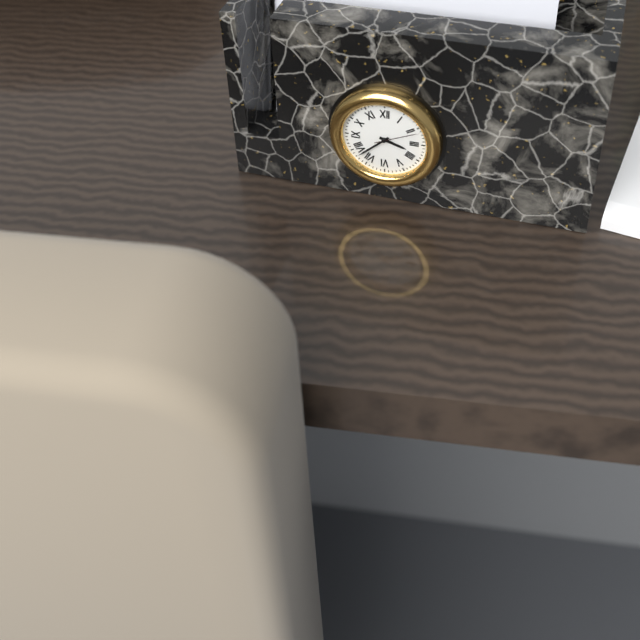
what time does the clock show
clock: 3:38
